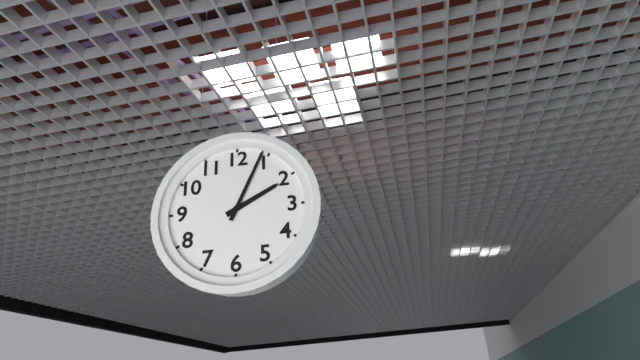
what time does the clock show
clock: 2:04
